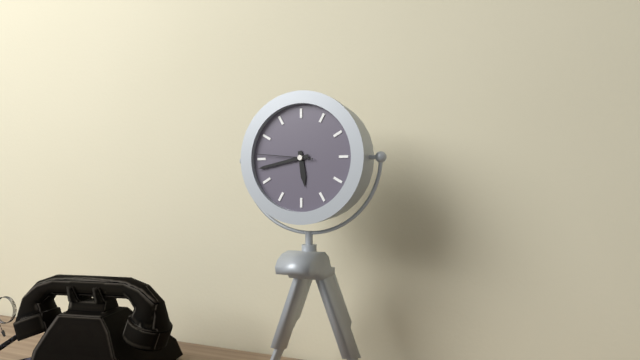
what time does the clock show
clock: 5:43:46
